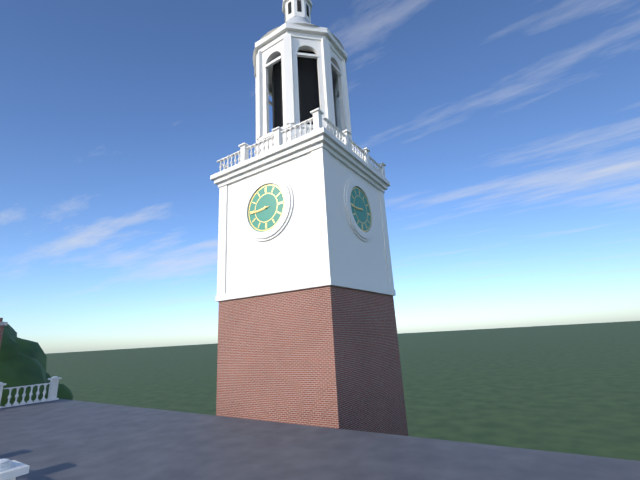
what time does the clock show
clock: 8:44
